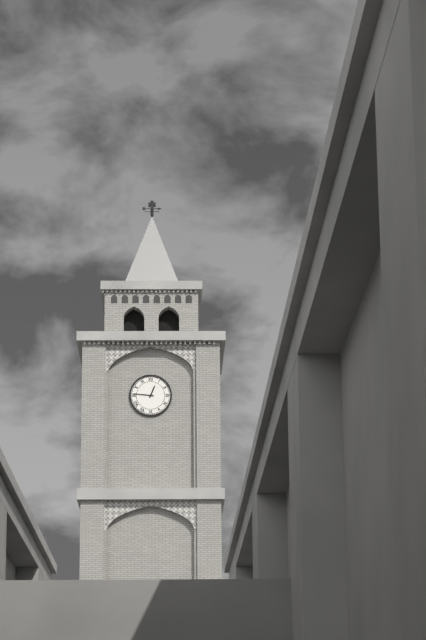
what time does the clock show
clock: 12:46
